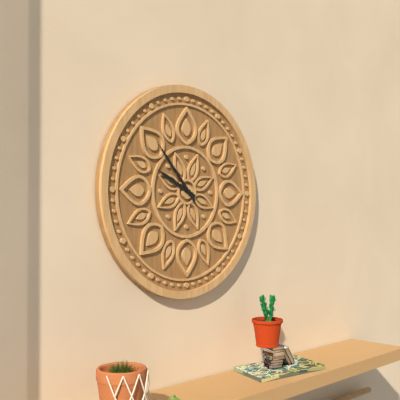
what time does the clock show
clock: 9:53
